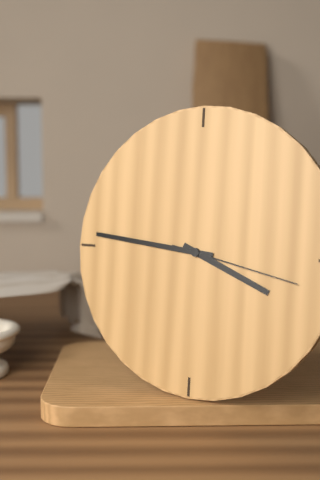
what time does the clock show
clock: 3:46:17
